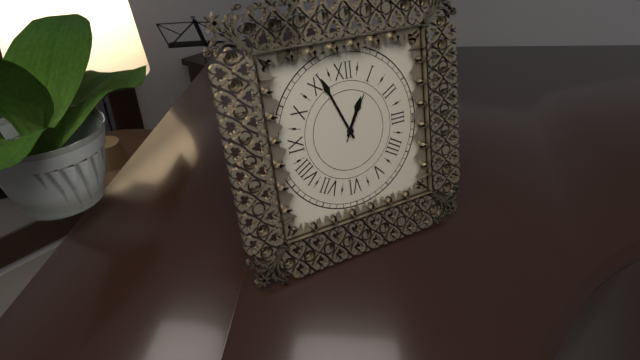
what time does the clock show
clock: 12:56:05
